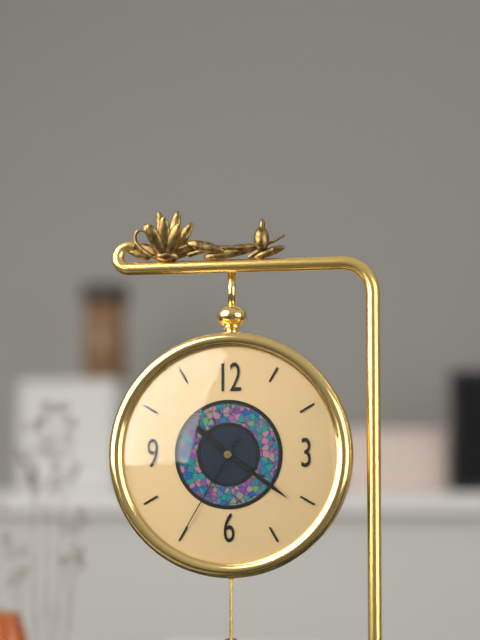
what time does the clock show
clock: 10:21:35
